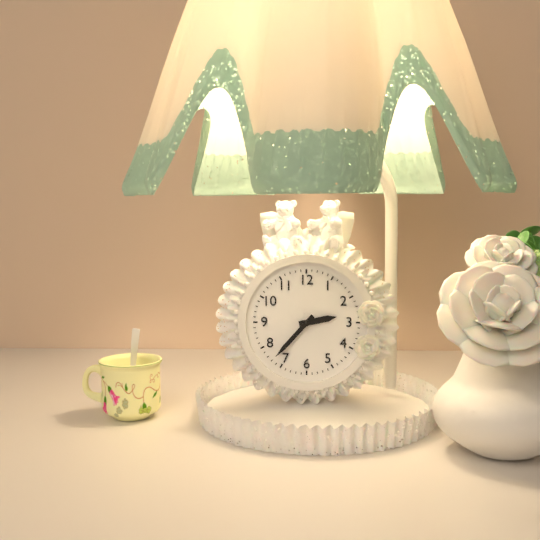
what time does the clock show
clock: 2:37
